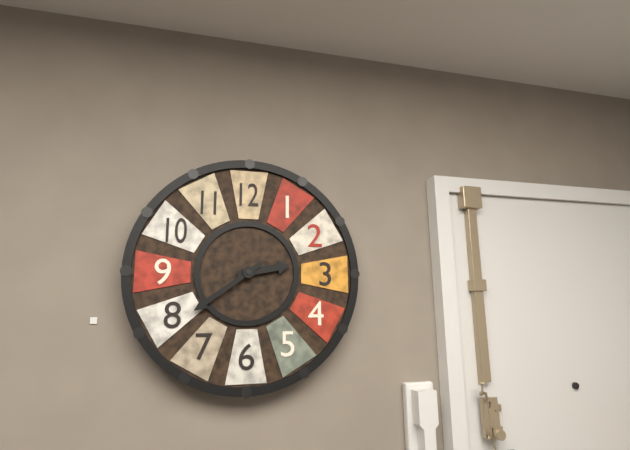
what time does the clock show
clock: 2:39
